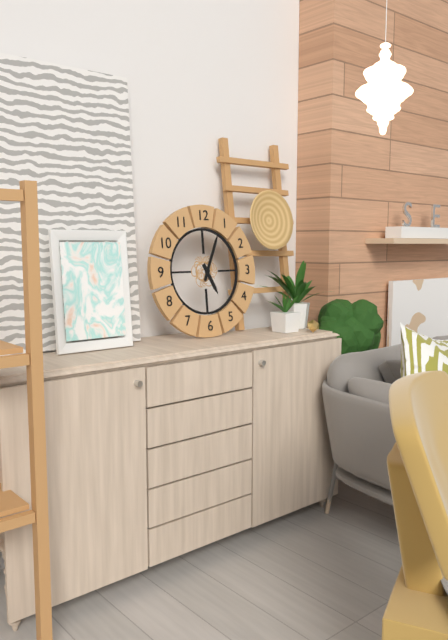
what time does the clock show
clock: 5:04
